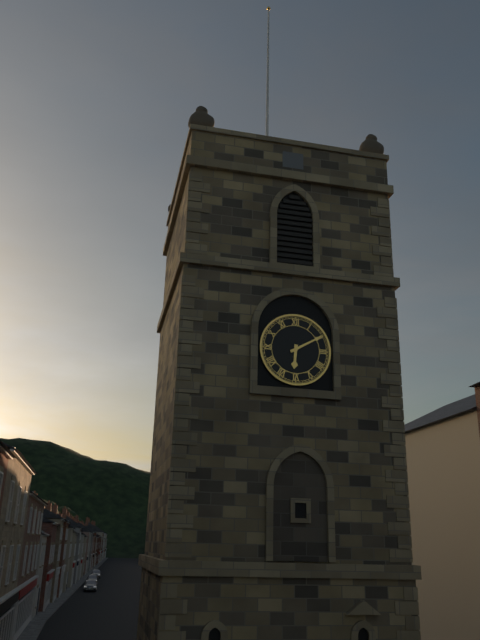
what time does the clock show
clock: 6:10
